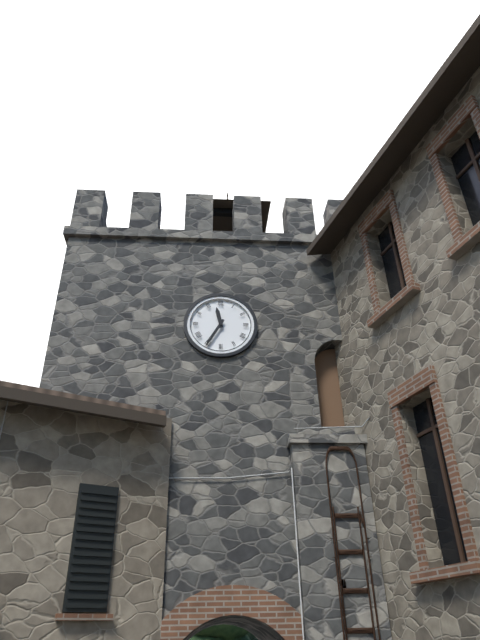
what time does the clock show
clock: 11:35
